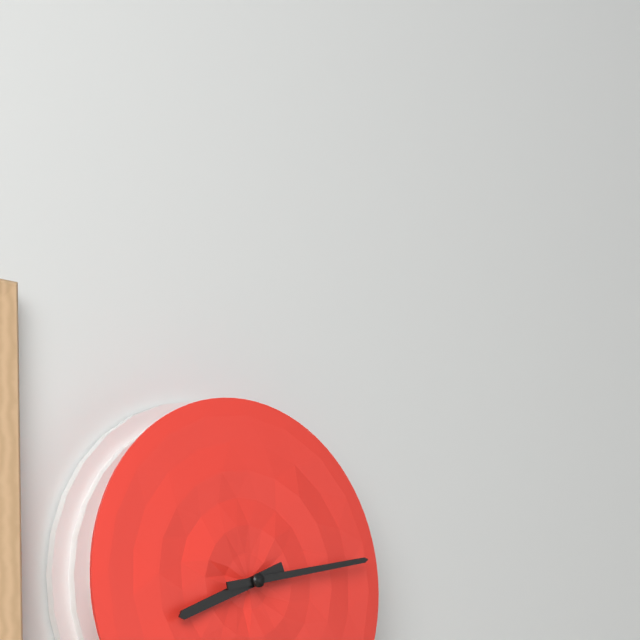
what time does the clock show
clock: 8:13
